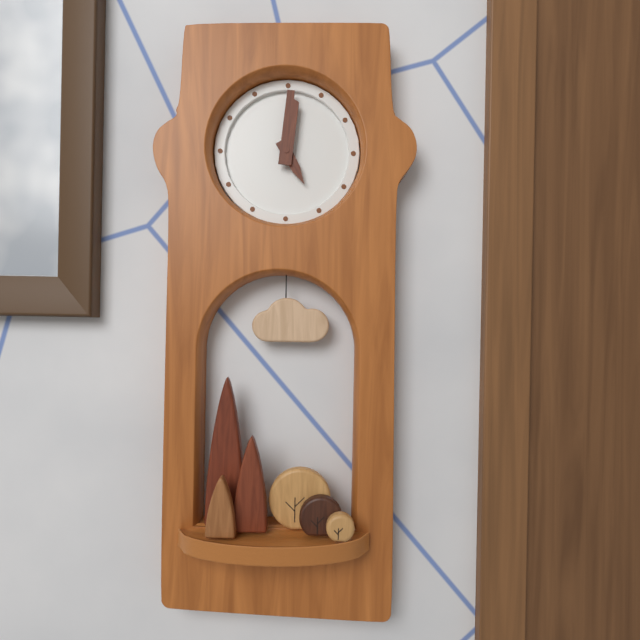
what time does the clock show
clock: 5:01
